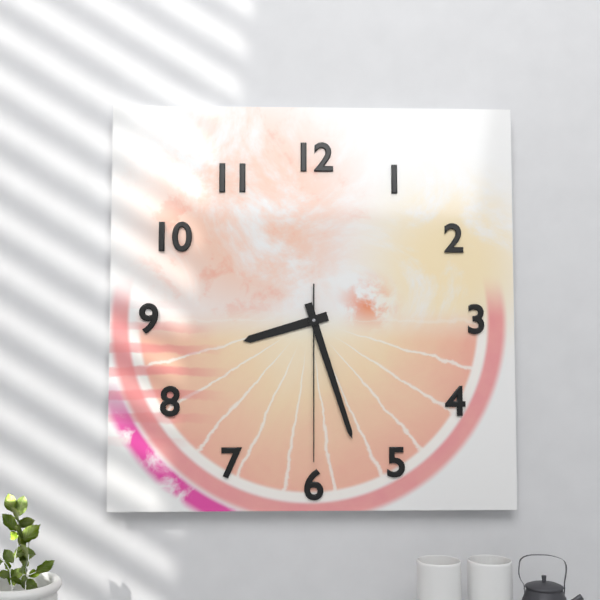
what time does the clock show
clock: 8:27:30
